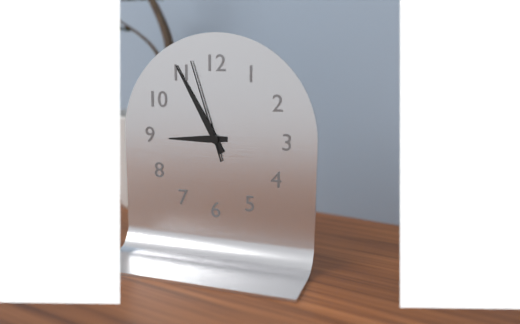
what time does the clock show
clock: 8:55:57
